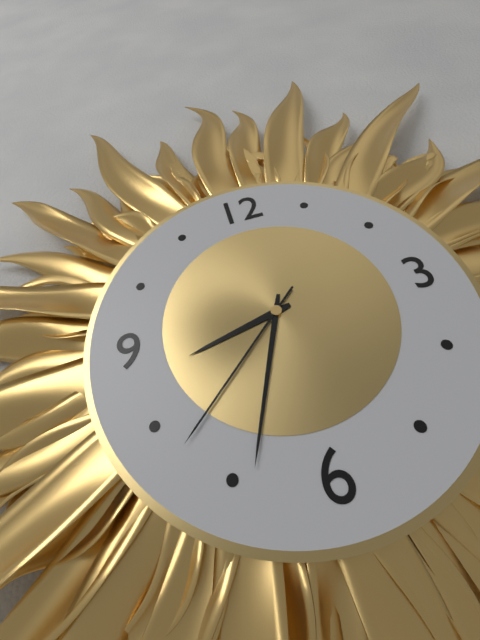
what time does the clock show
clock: 8:34:38
